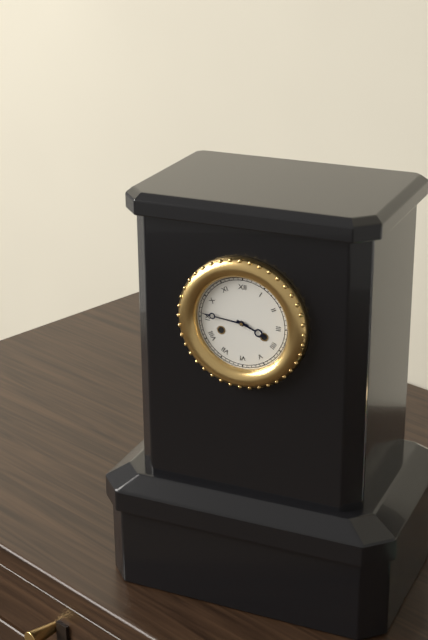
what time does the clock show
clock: 3:46
